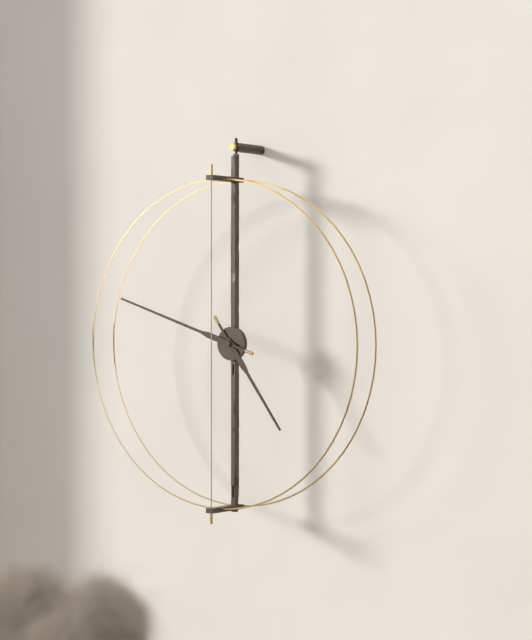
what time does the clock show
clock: 4:48
